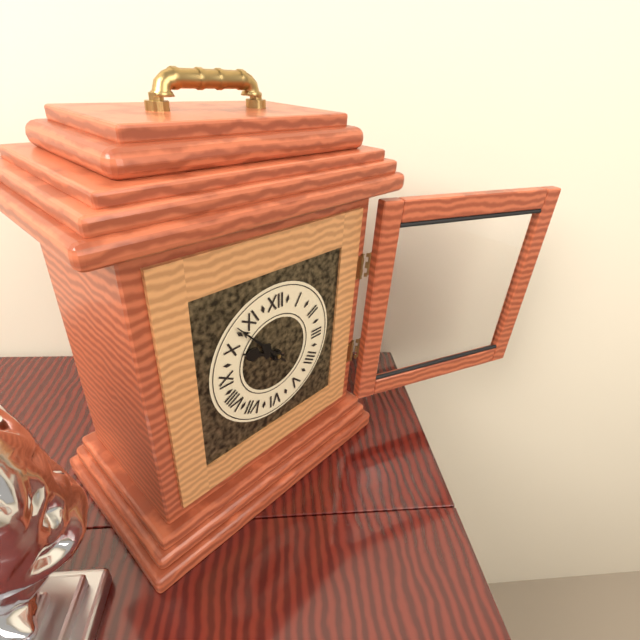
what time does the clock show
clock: 9:53
